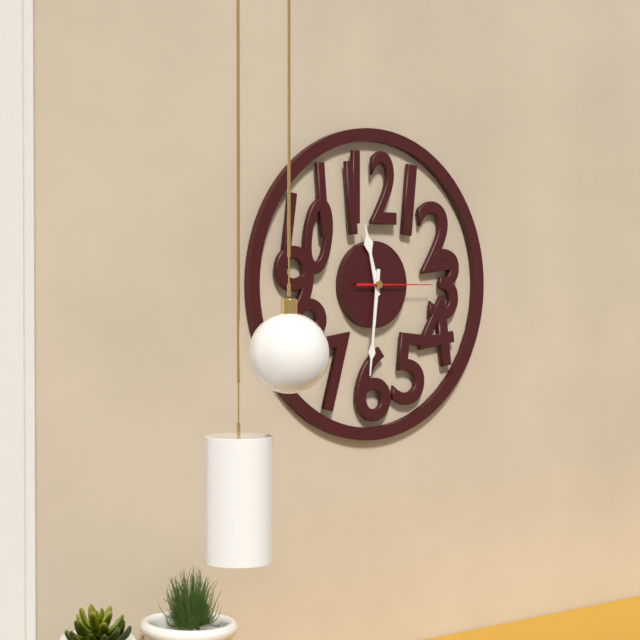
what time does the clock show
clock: 11:31:15
